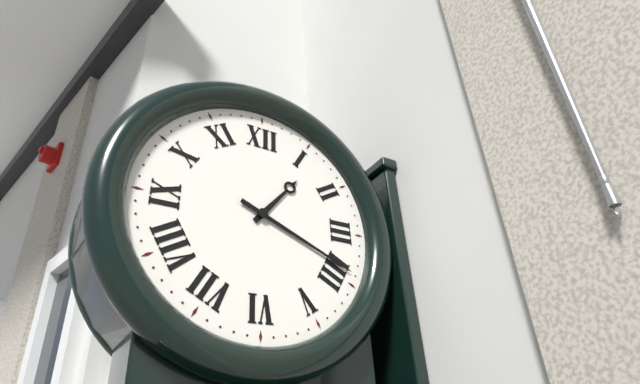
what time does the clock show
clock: 1:19
